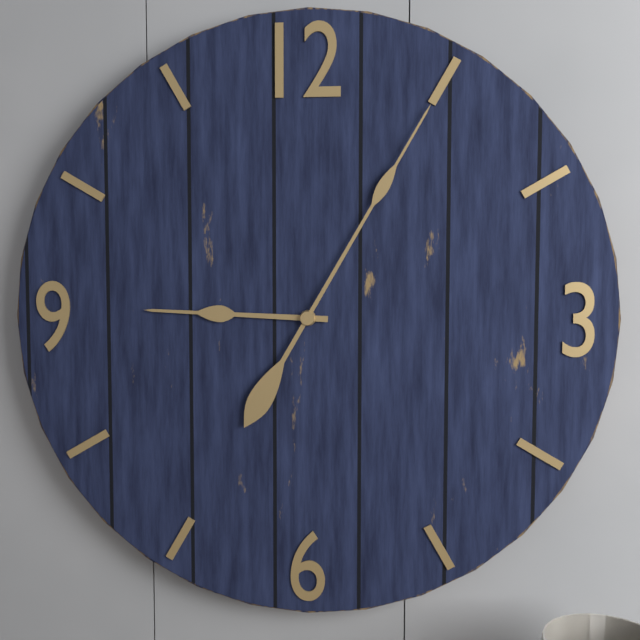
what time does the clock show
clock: 9:05
